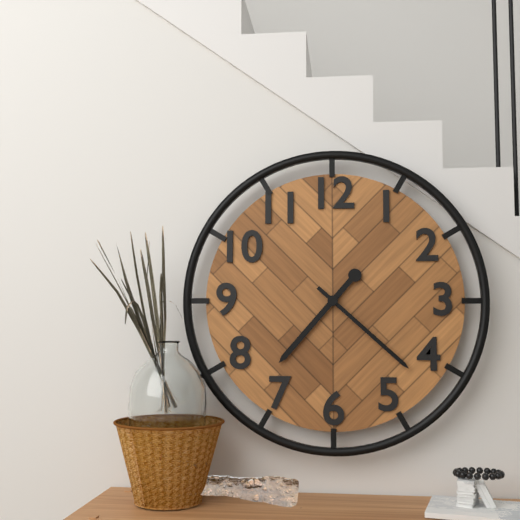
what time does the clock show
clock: 7:22
